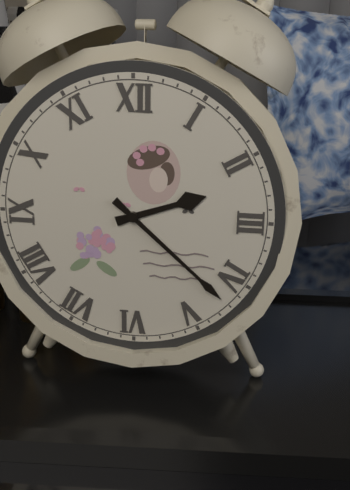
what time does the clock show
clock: 2:22
